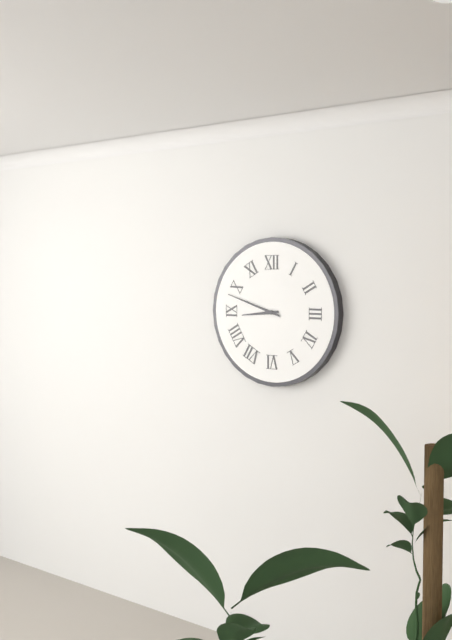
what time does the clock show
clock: 8:48
